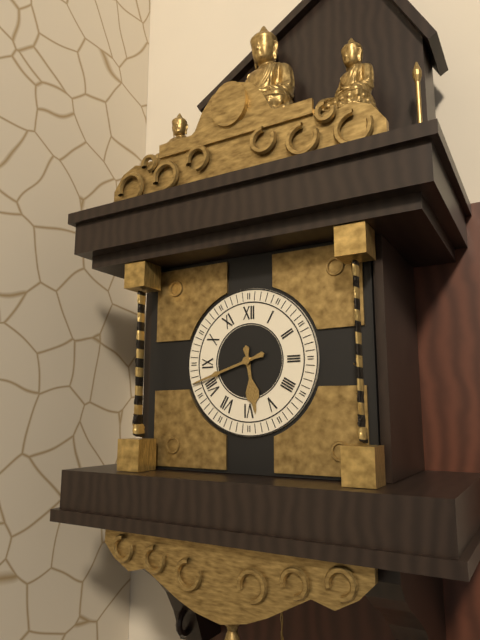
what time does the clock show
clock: 5:42
